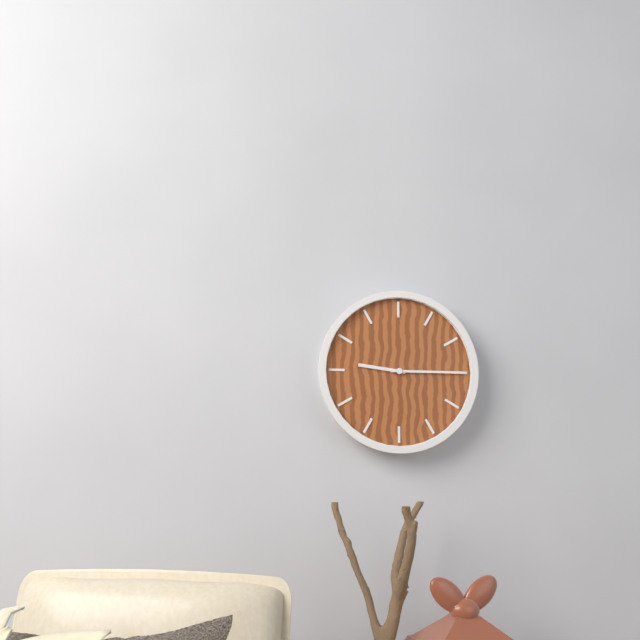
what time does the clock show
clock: 9:15
